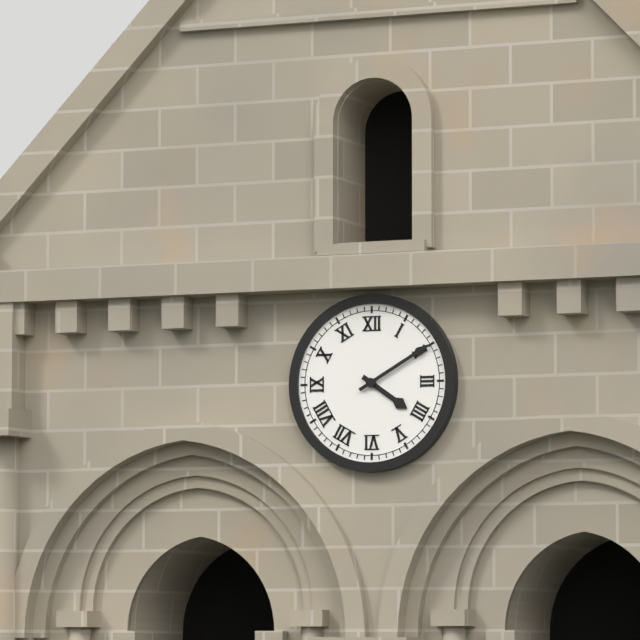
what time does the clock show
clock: 4:10
